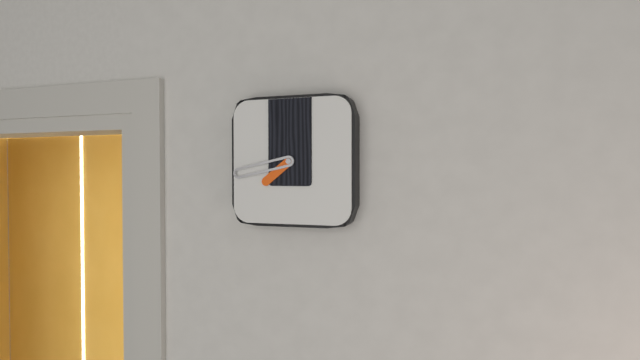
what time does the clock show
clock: 7:43
